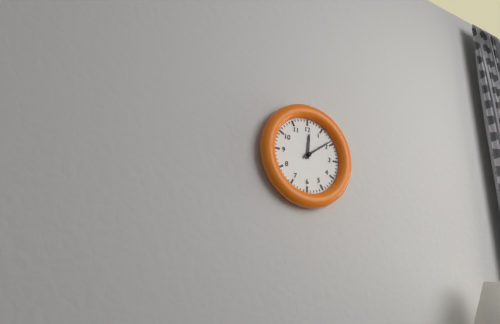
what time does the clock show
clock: 12:09
